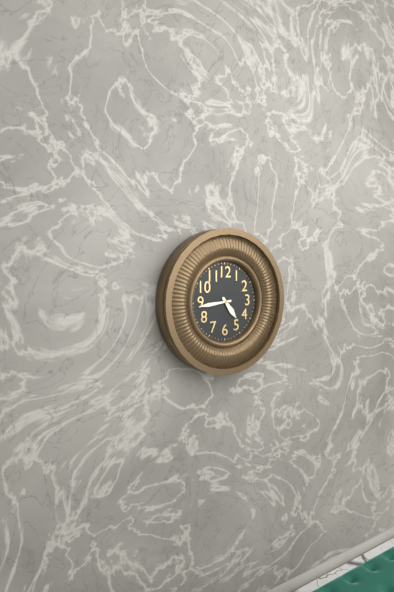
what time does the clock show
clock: 4:44
